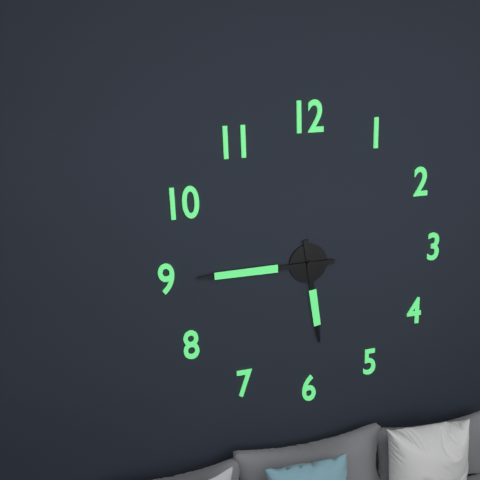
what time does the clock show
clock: 5:45
